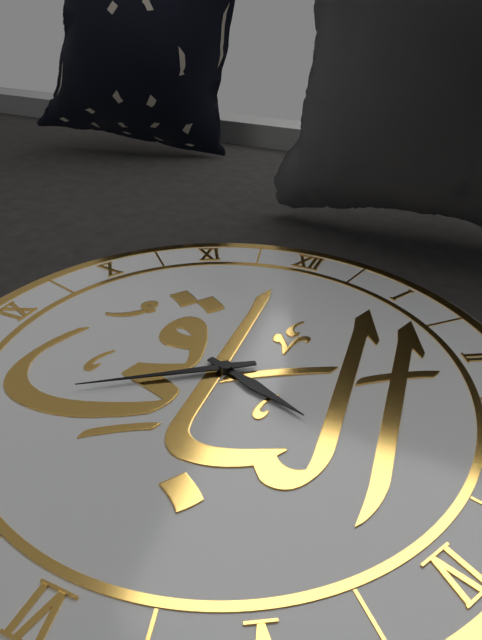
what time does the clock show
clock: 3:39
